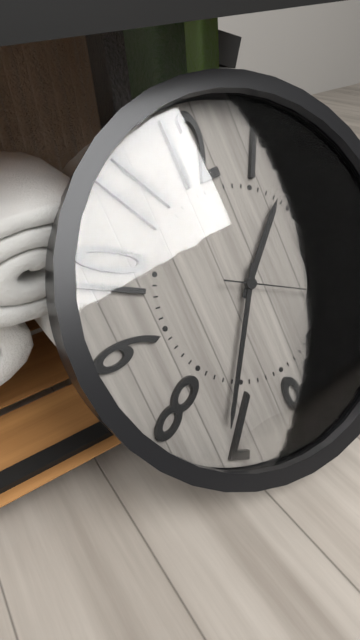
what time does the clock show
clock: 1:36:20
